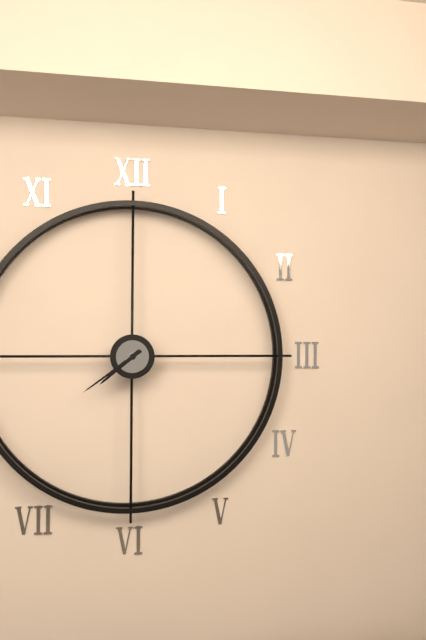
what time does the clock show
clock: 7:39
